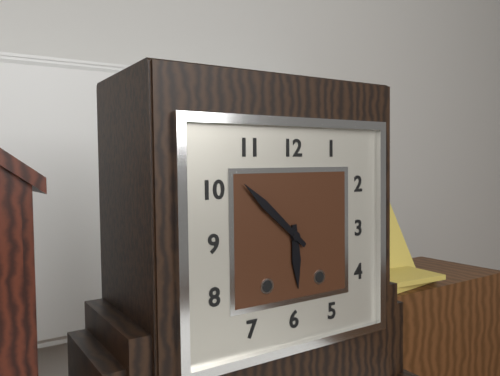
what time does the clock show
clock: 5:52
